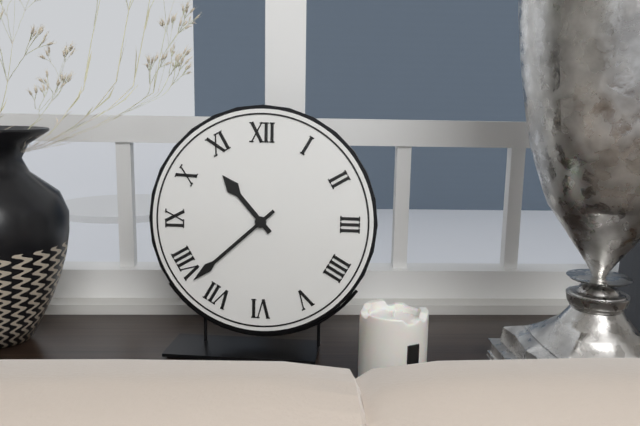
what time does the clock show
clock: 10:38
